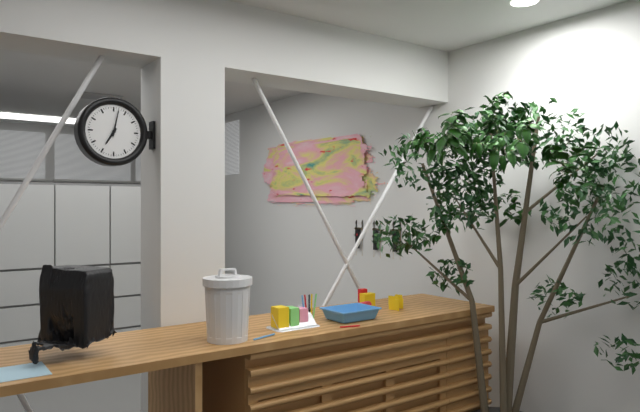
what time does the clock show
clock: 7:02
